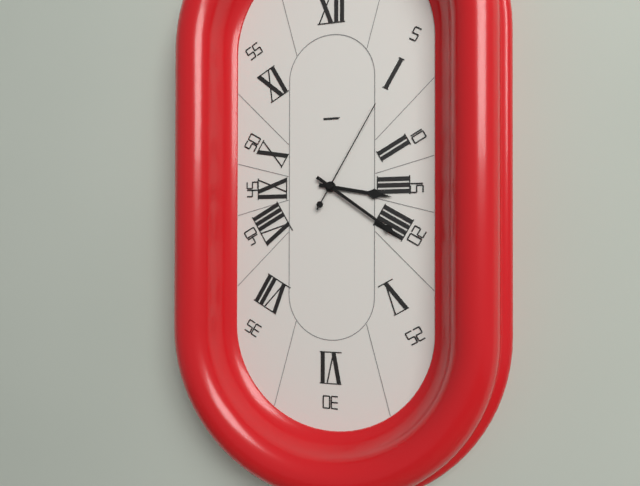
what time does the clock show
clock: 3:21:05
